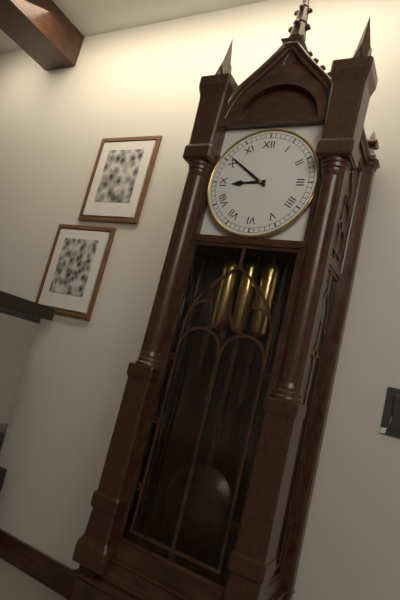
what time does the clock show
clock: 8:51
